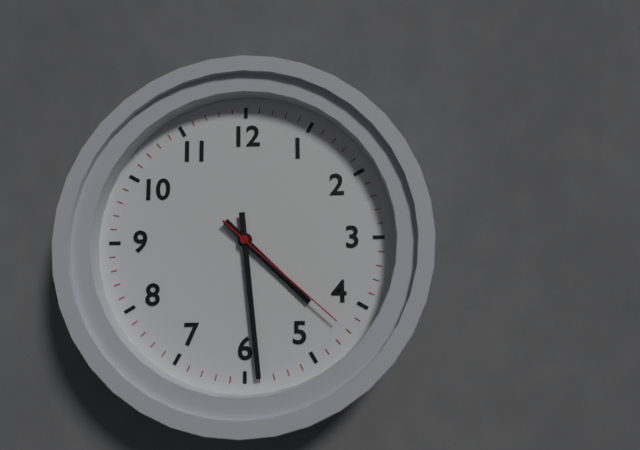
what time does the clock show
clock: 4:29:22
